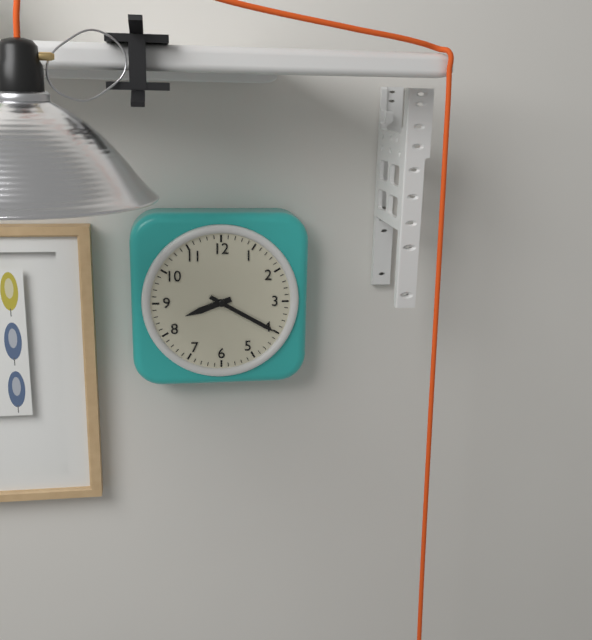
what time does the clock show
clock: 8:20
